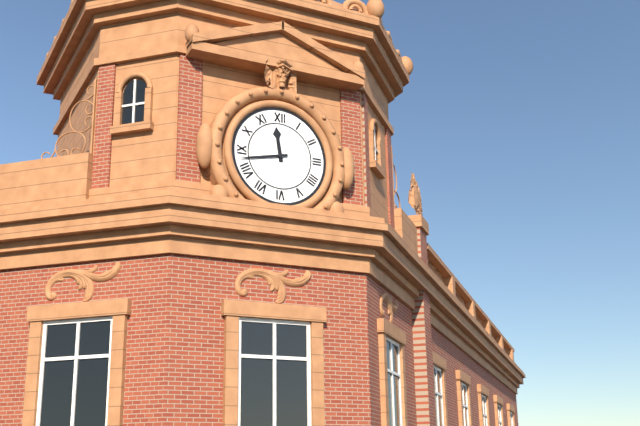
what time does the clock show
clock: 11:43
